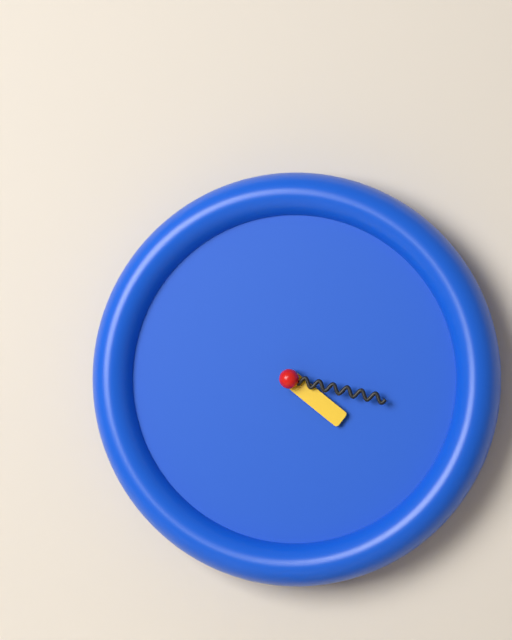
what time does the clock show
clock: 4:17
